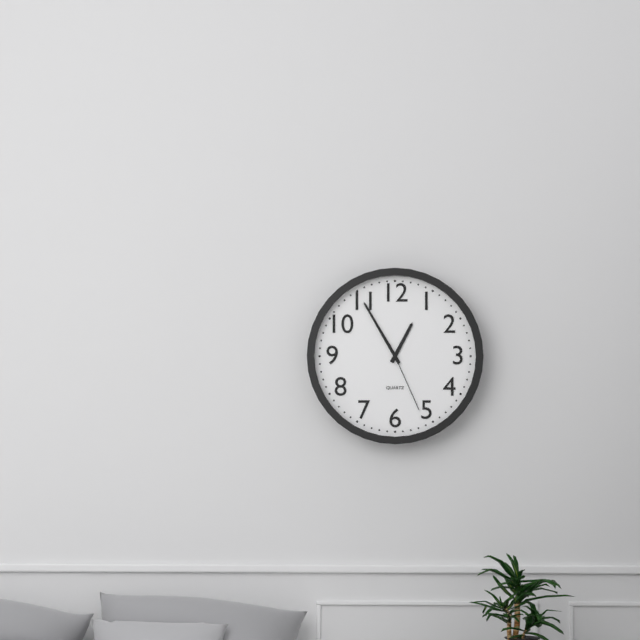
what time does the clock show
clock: 12:55:26
